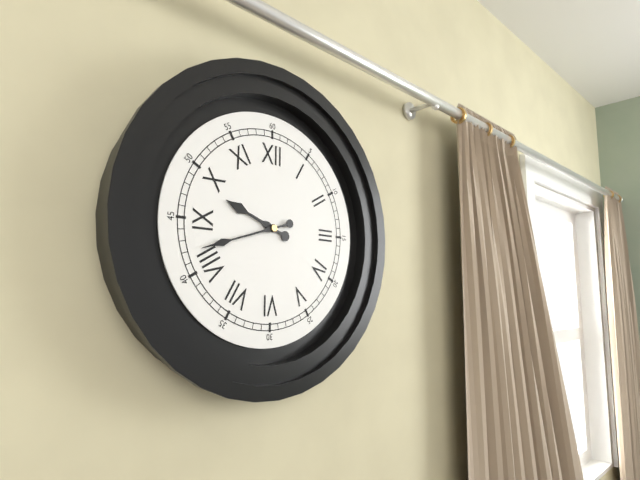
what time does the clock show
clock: 9:42
